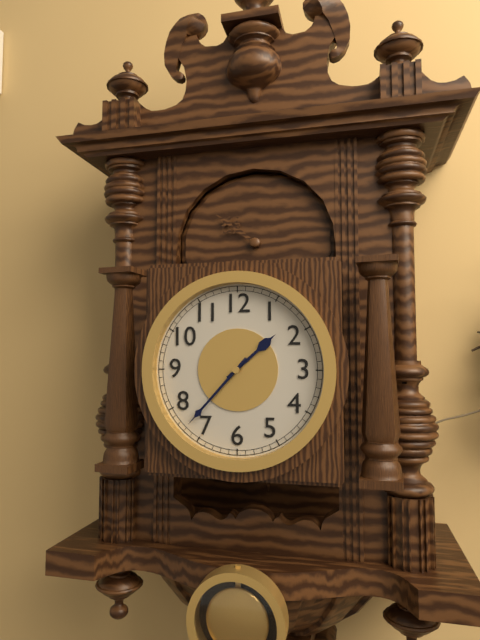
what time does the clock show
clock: 1:37
